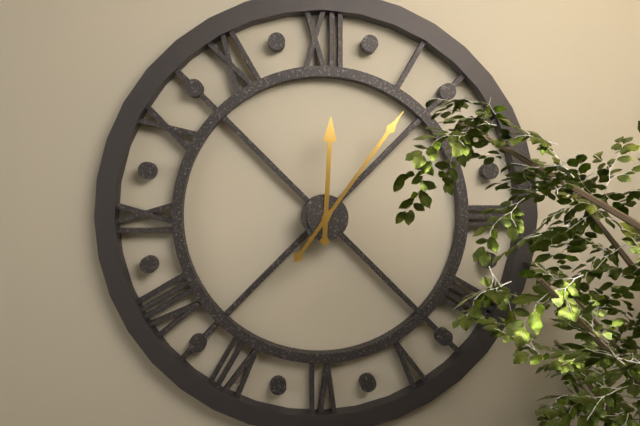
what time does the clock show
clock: 12:06
